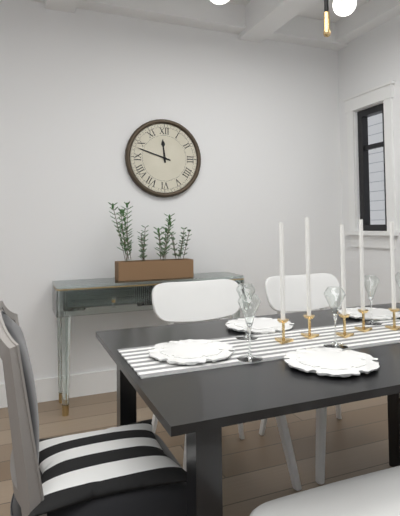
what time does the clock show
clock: 11:48
